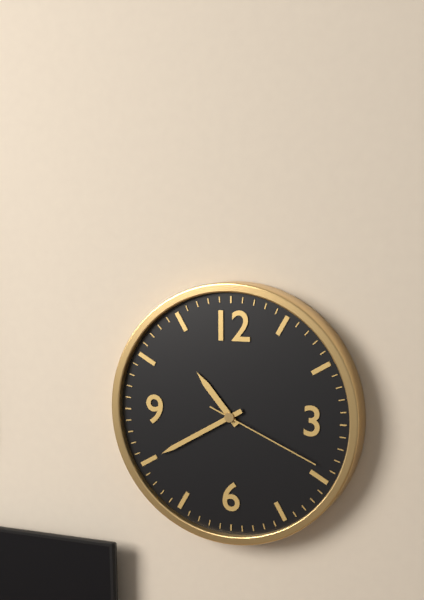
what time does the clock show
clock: 10:40:19
